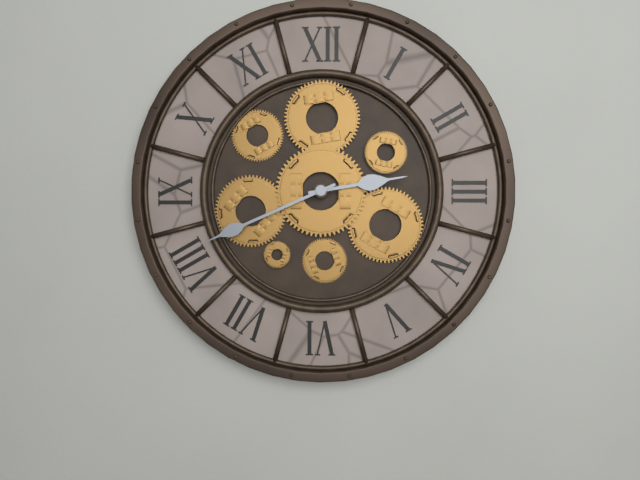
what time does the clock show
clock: 2:41
